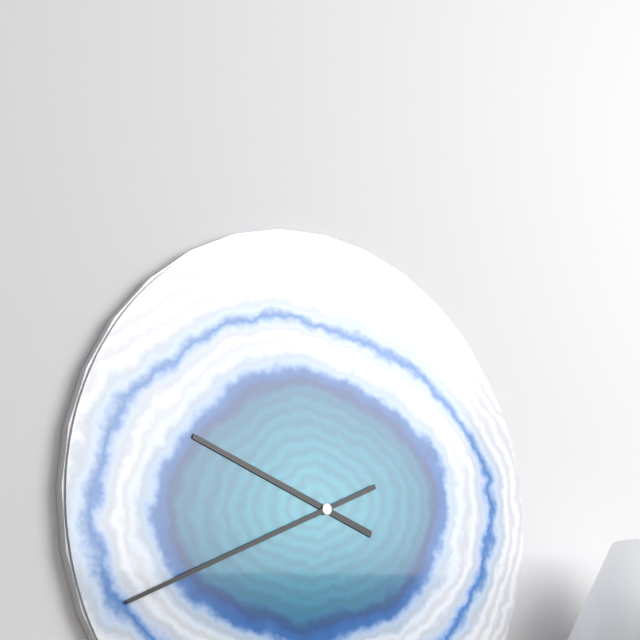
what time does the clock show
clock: 9:41
